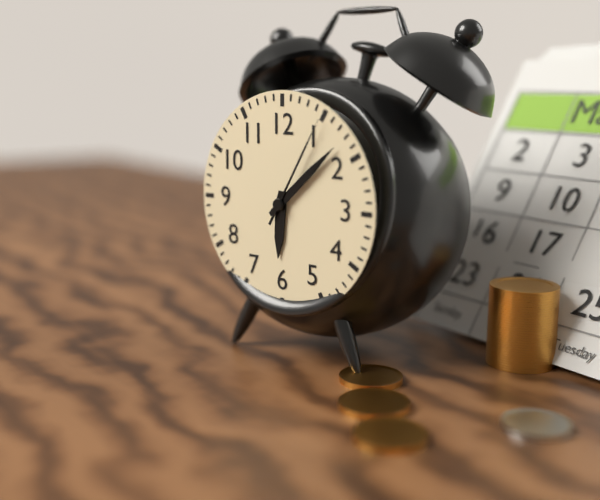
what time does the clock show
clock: 6:08:05
